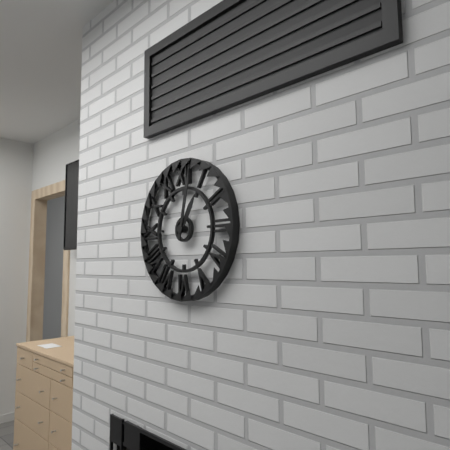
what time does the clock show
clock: 1:02
